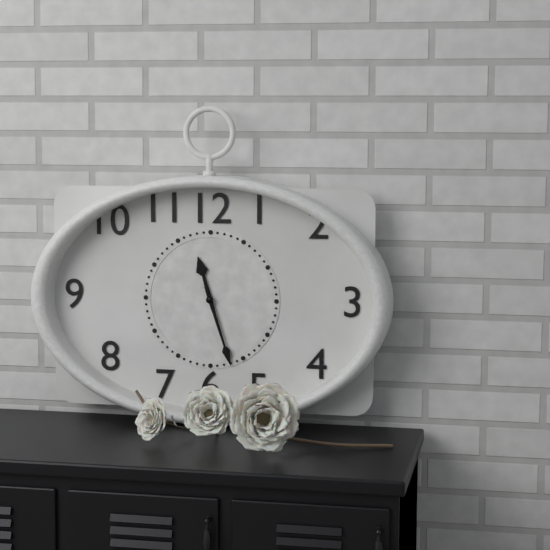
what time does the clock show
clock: 11:27
